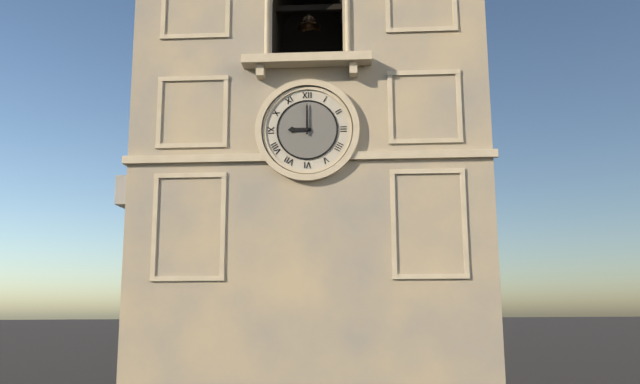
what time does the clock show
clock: 9:00
